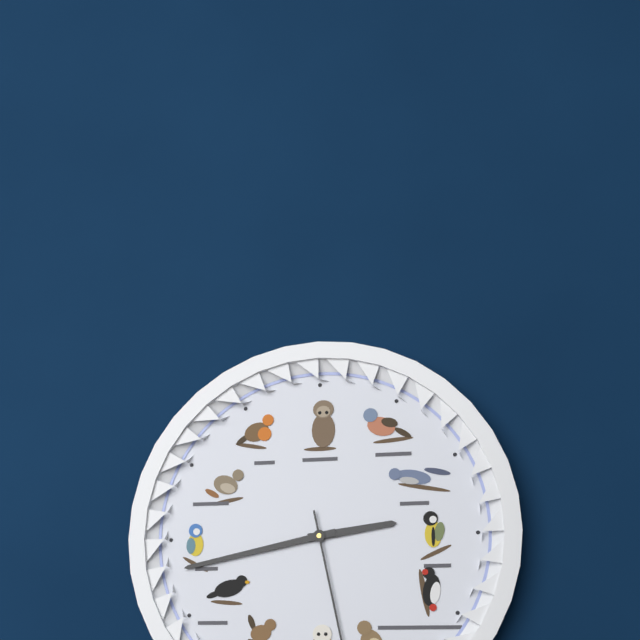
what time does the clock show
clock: 2:43
